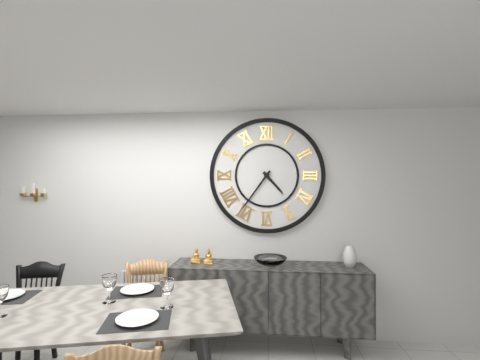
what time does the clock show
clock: 4:36
